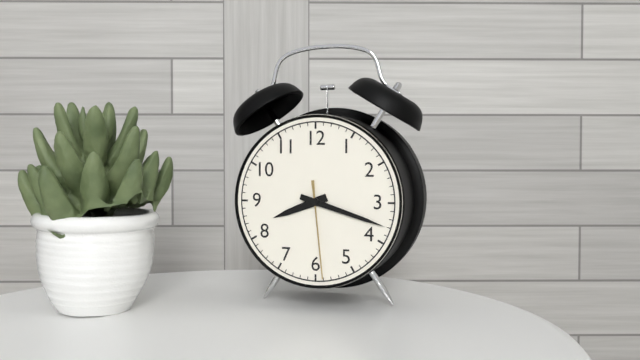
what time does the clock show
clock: 8:18:29
